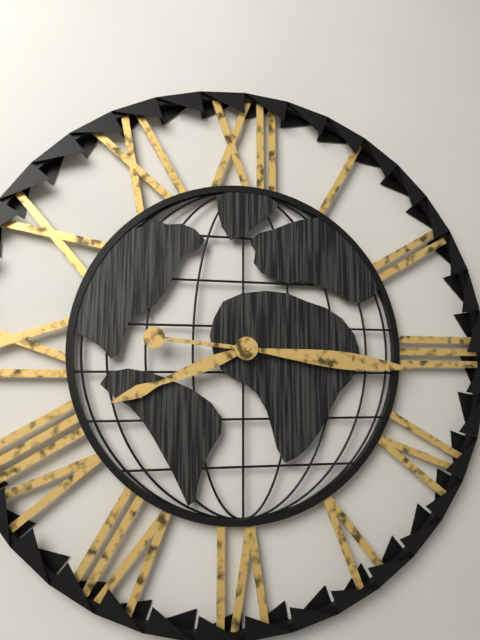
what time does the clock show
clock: 8:16
